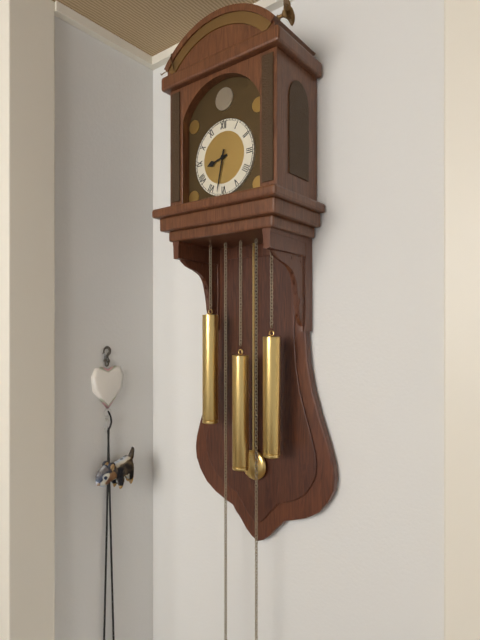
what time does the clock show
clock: 8:32
